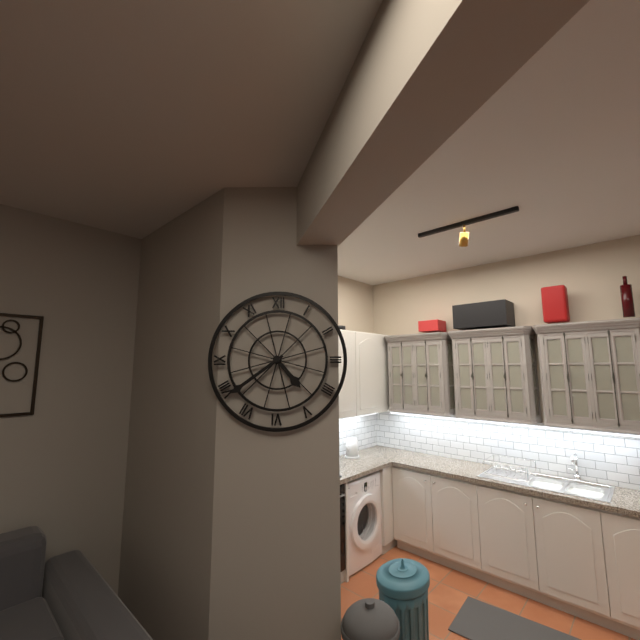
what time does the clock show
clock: 4:39
